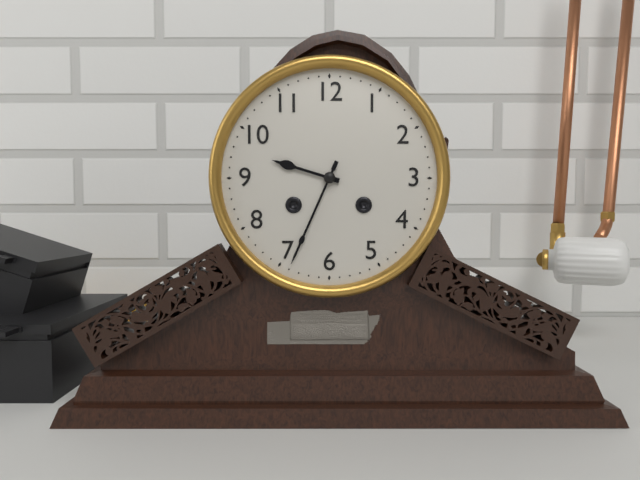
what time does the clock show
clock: 9:34
